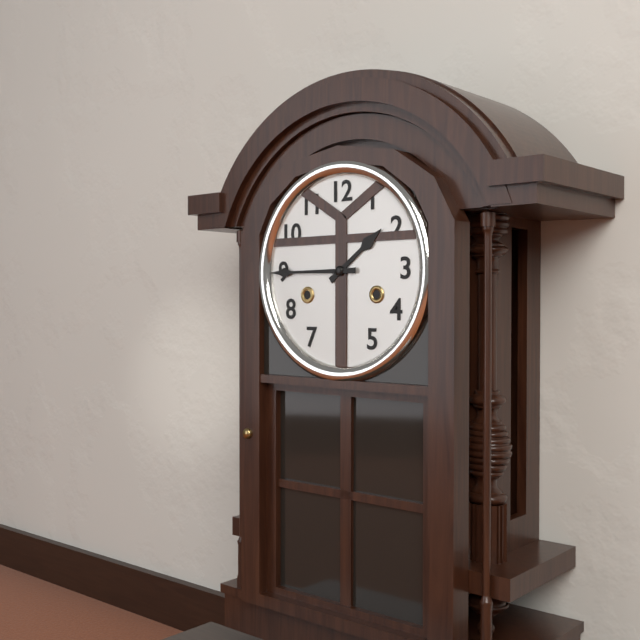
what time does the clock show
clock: 1:45
